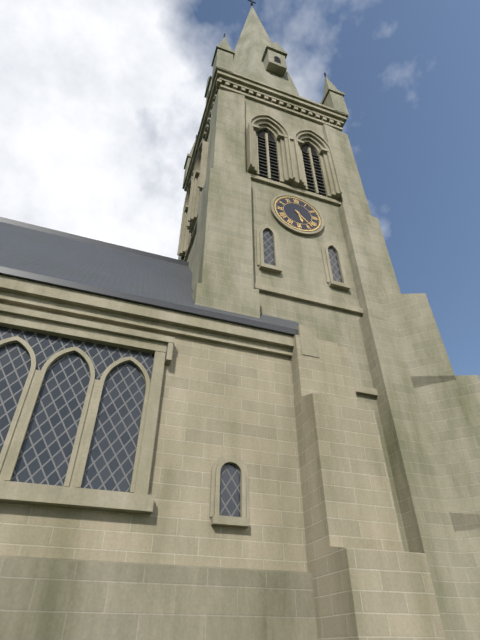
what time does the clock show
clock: 5:23
